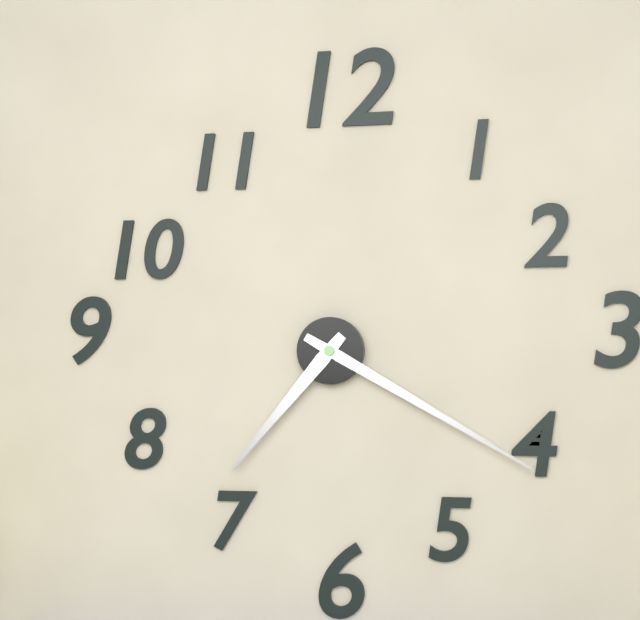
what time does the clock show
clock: 7:20
